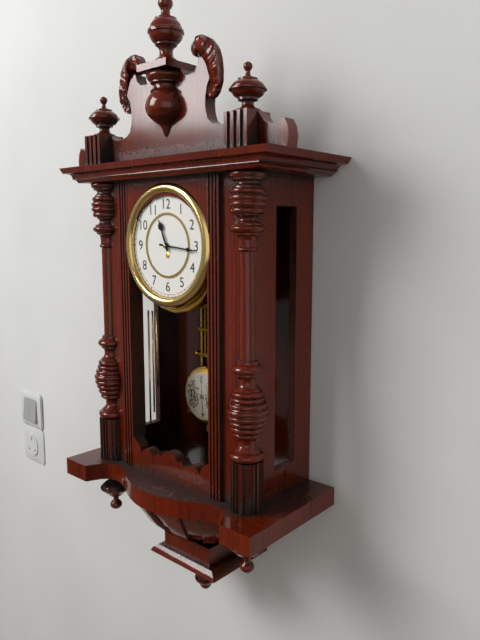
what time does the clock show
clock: 11:16
